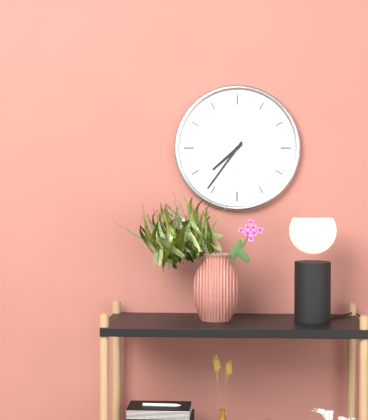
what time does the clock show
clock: 7:36
